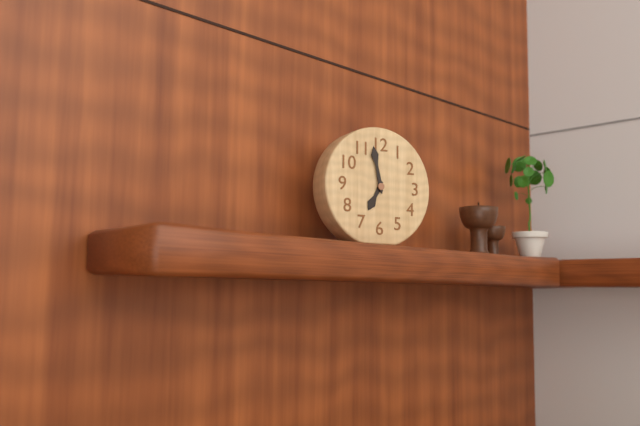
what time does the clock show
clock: 6:58
